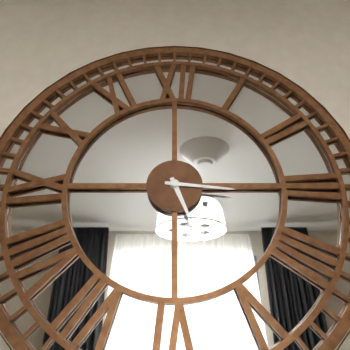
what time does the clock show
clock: 5:16
